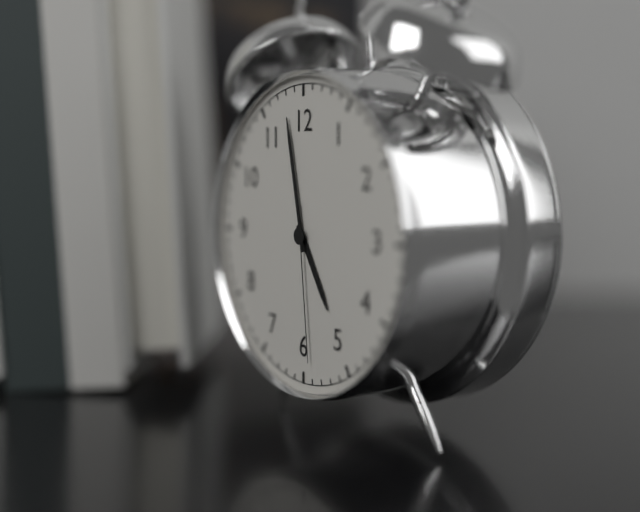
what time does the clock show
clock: 4:58:29
